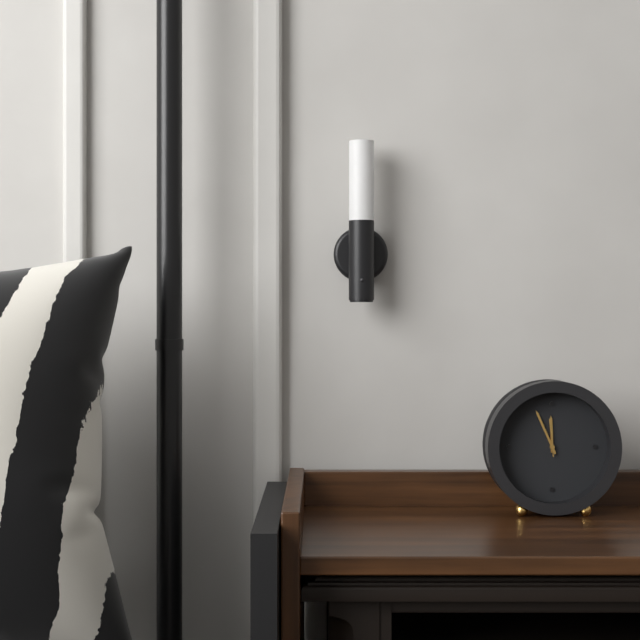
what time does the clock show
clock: 11:56
